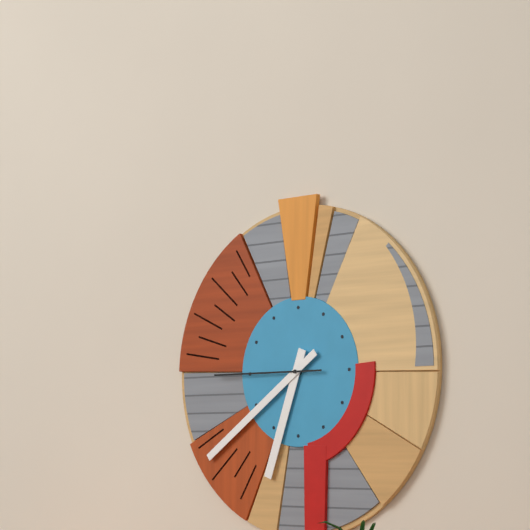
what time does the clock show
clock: 6:39:45
